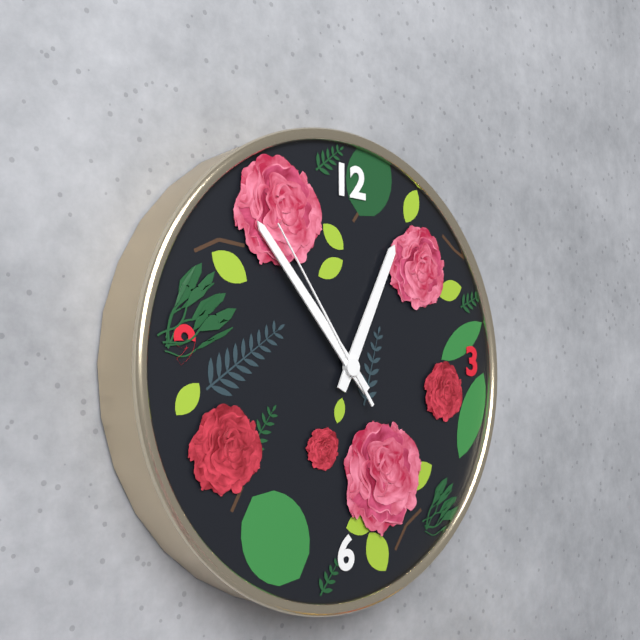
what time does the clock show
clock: 12:53:54
